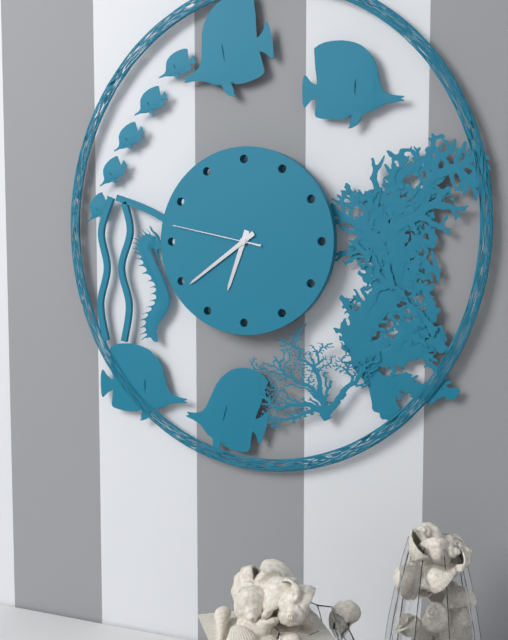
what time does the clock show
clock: 6:39:47
